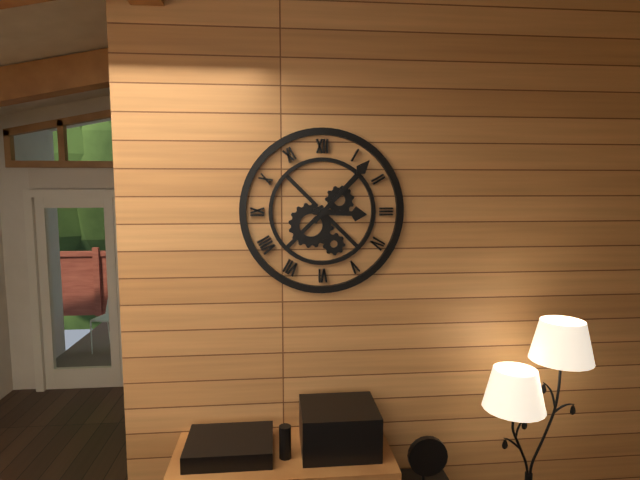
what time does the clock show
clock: 3:07
